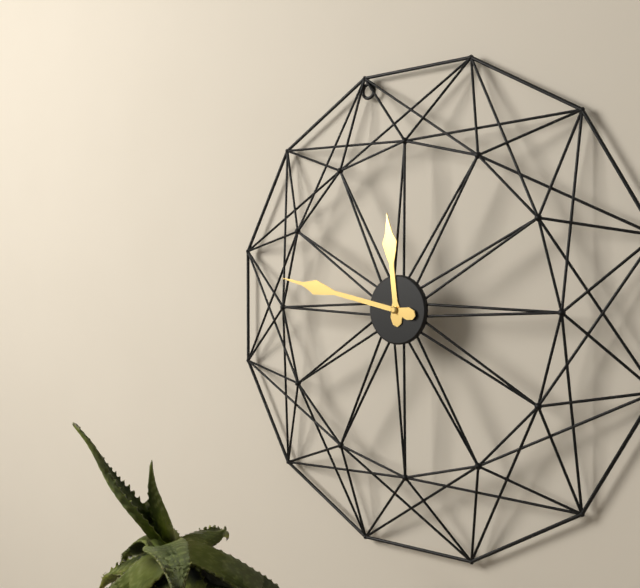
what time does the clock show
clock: 11:47
